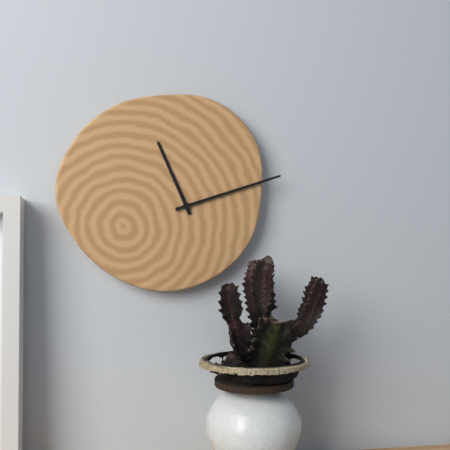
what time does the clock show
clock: 11:12
